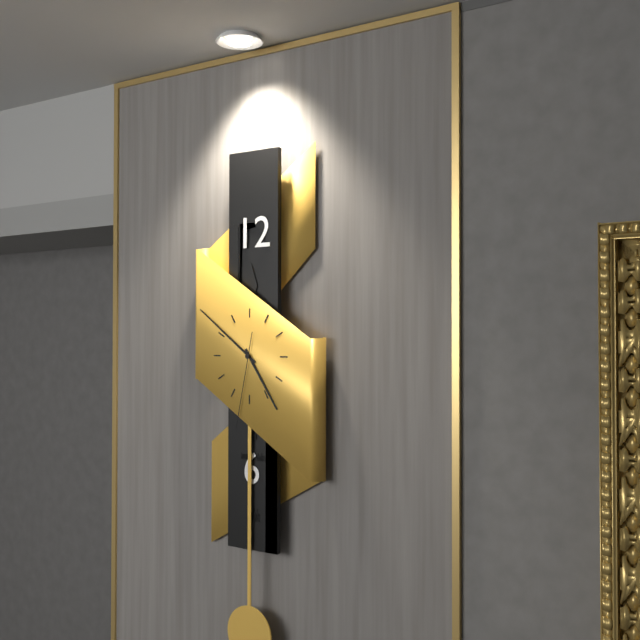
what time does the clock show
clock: 4:51:32
